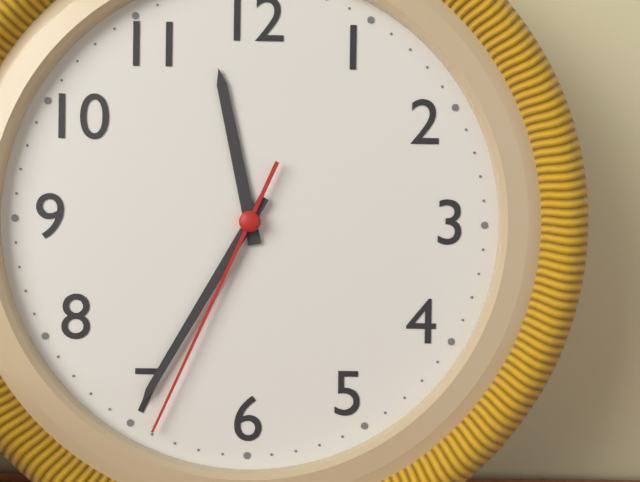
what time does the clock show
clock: 11:35:34
